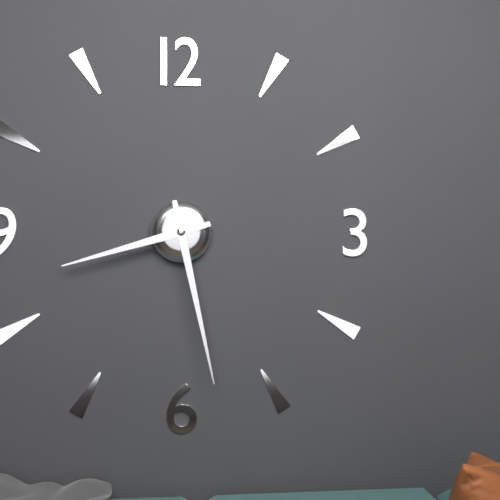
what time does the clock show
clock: 8:28
